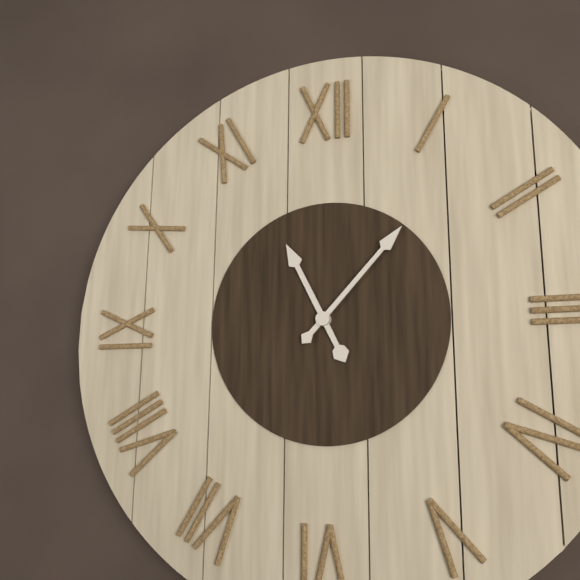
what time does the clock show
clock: 11:07
